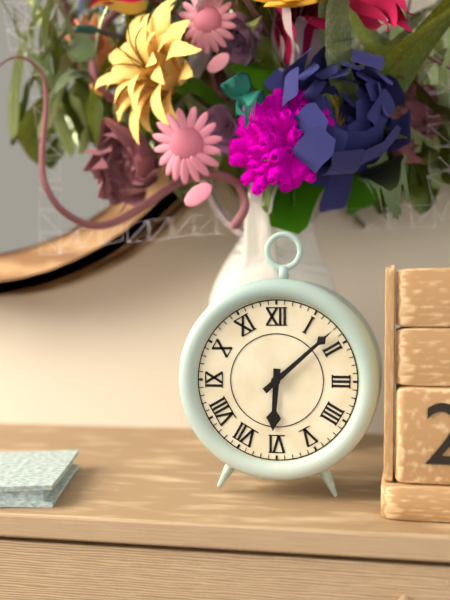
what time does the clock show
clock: 6:08
